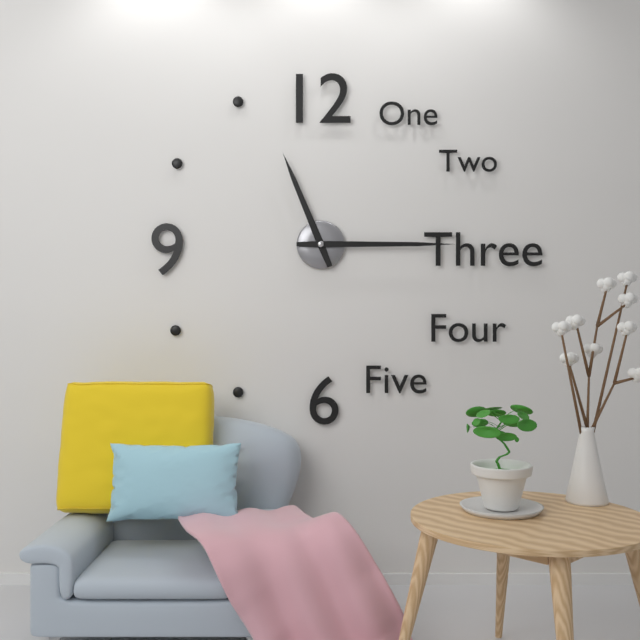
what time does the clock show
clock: 11:15
